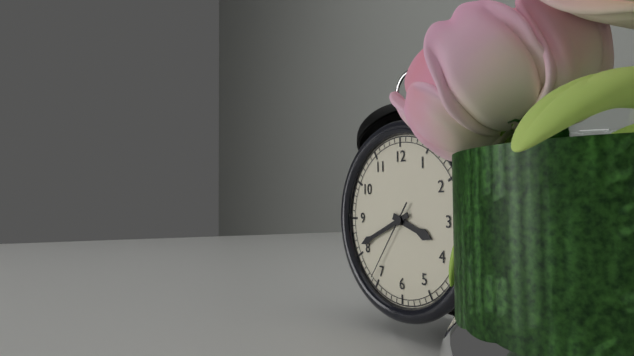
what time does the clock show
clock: 3:41:36
